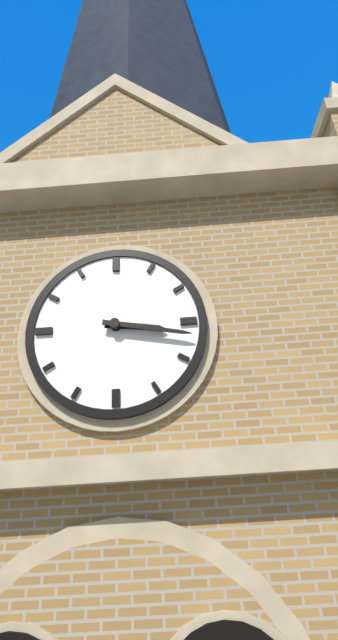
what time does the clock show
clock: 3:17
